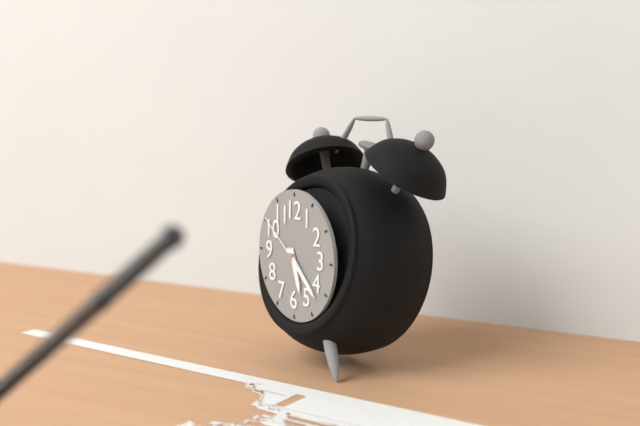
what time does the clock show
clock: 5:22:51
